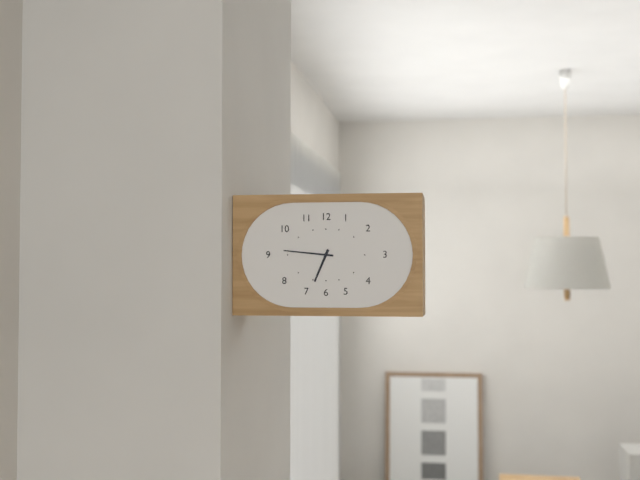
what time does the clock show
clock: 6:46
